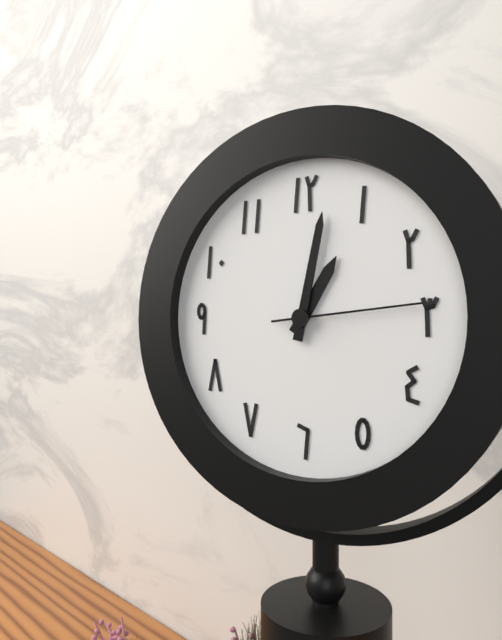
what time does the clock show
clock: 1:02:14
